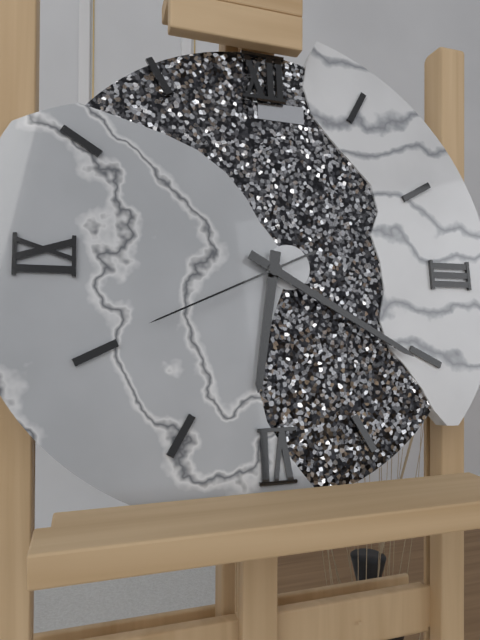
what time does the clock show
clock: 6:20:41
